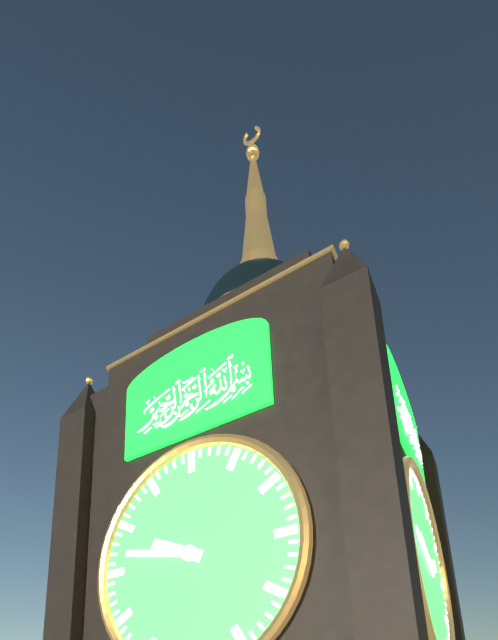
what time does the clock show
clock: 9:47
